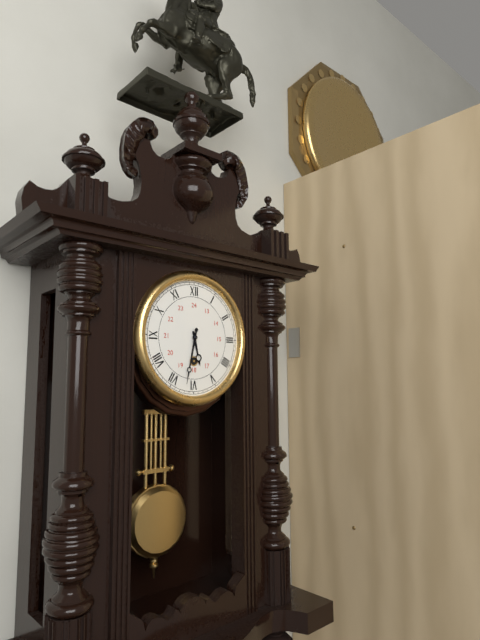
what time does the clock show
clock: 5:32
